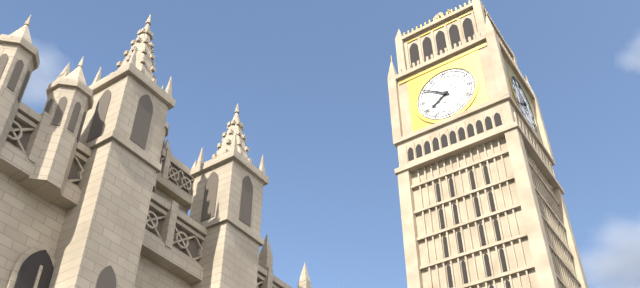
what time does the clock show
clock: 7:51
